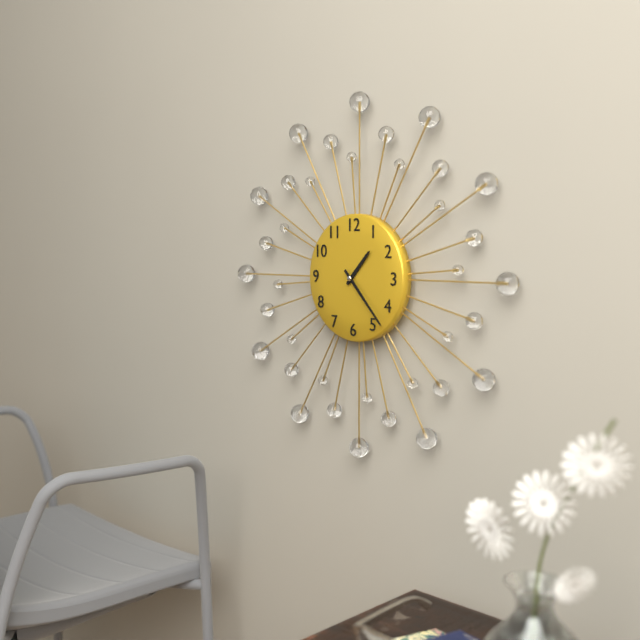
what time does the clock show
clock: 1:23
